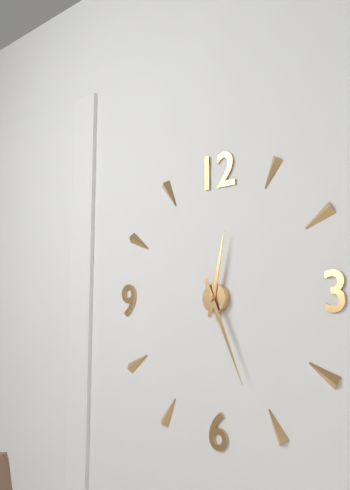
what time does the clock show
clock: 12:26
